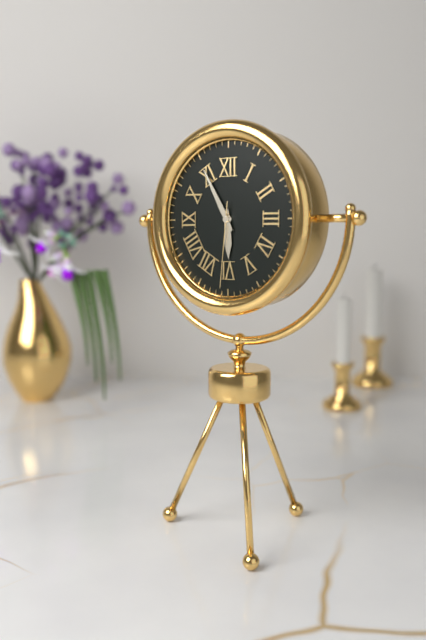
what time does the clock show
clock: 5:55:31
